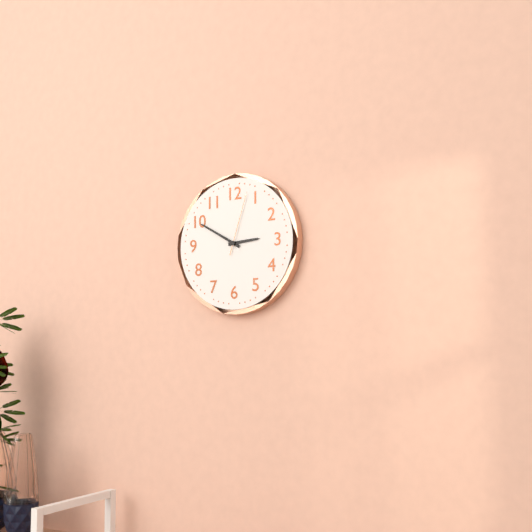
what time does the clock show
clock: 2:50:03
